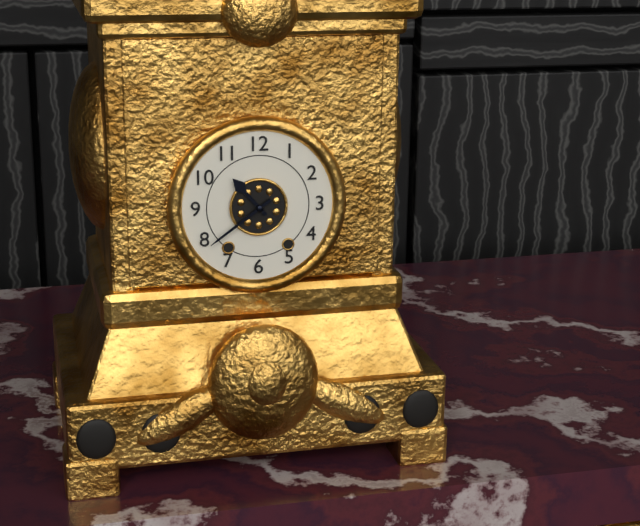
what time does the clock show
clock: 10:39
